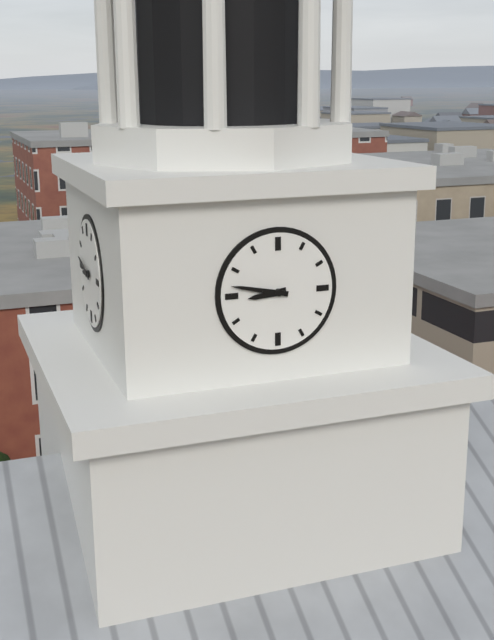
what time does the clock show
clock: 8:47
